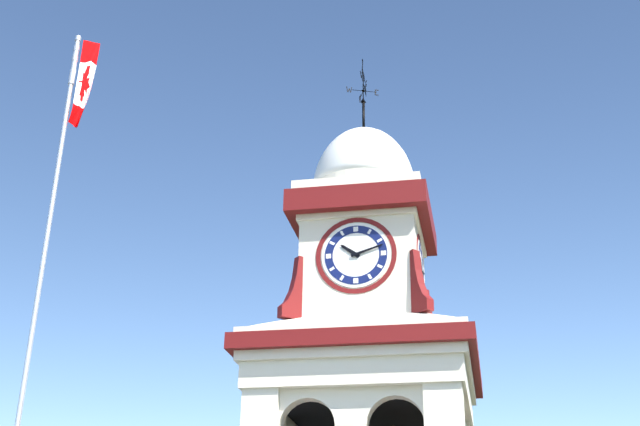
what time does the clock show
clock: 10:12
